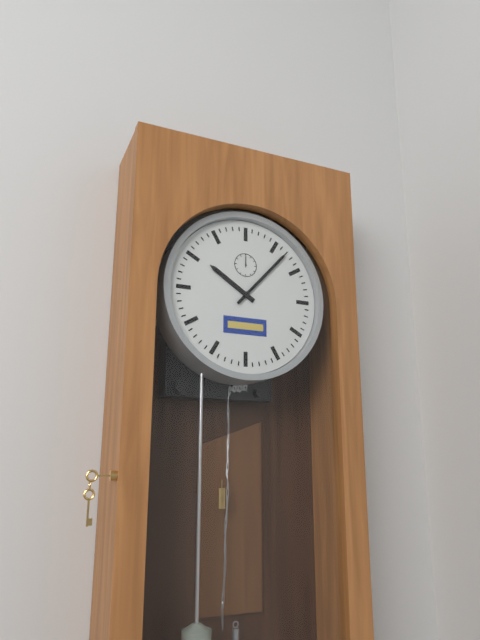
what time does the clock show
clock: 10:07
